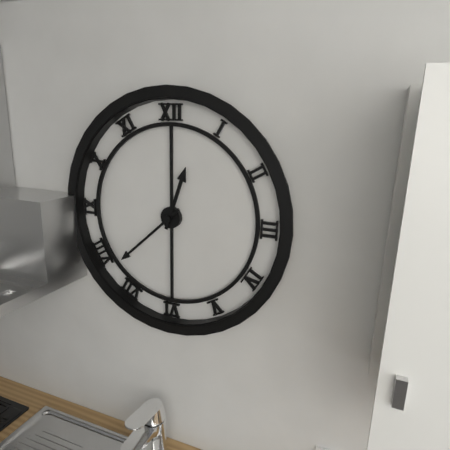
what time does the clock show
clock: 12:38
